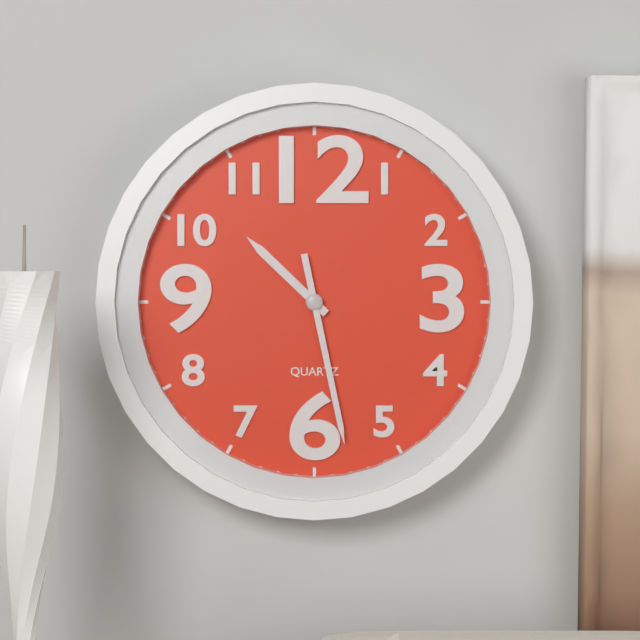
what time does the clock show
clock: 10:28
